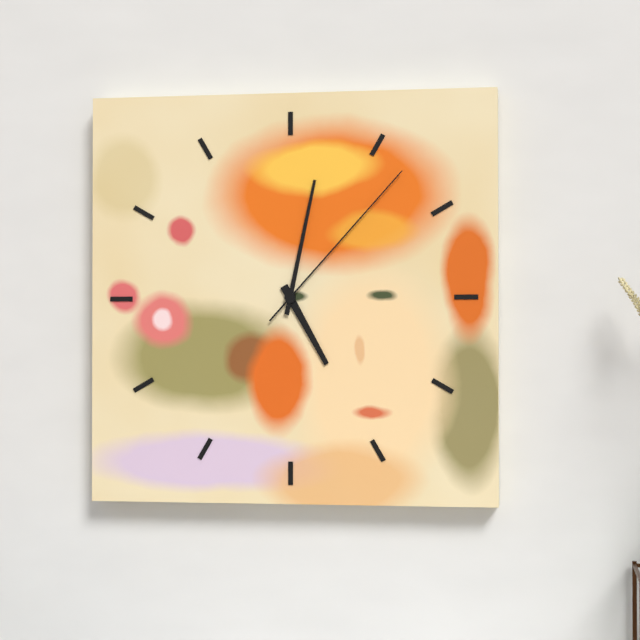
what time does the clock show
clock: 5:02:07
